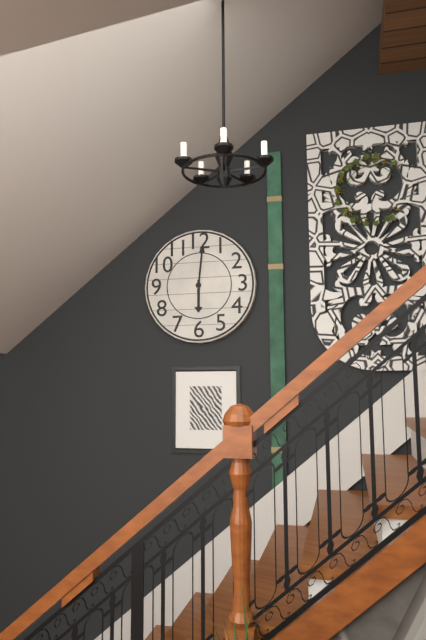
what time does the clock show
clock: 6:01
